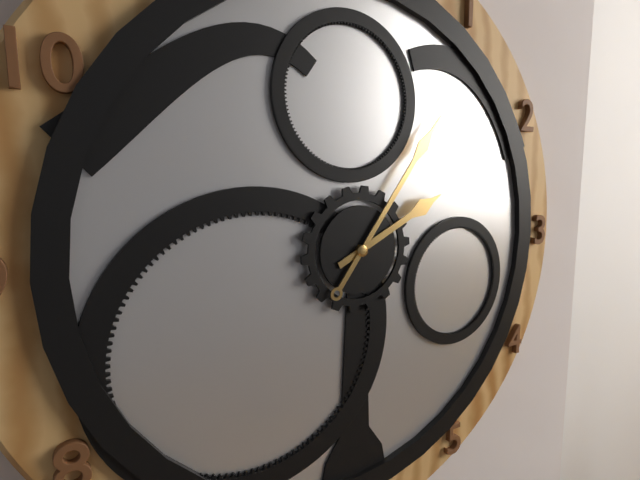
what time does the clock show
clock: 2:06
